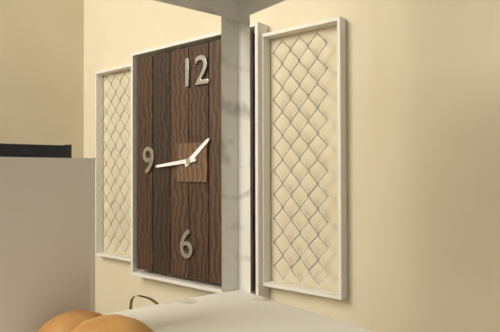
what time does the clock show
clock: 1:44
